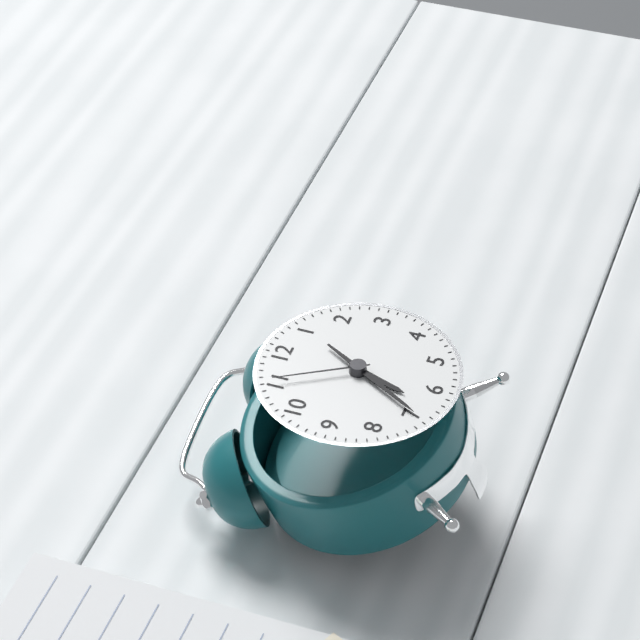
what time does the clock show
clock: 6:35:55
